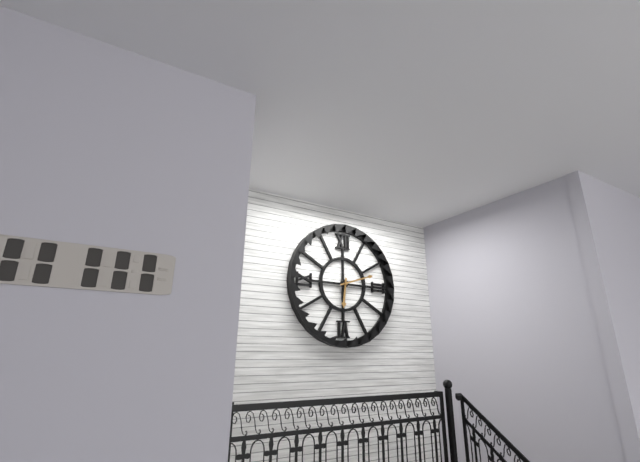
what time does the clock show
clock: 6:12
